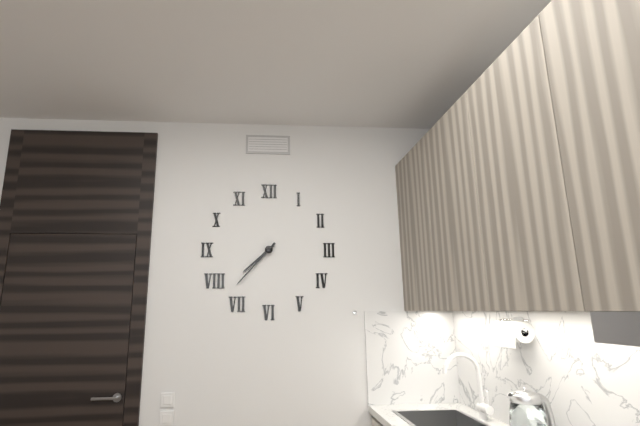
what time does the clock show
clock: 7:37
